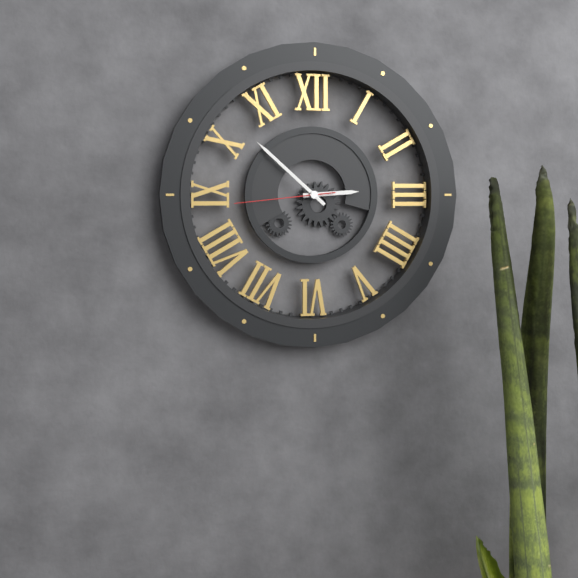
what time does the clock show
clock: 2:52:44
